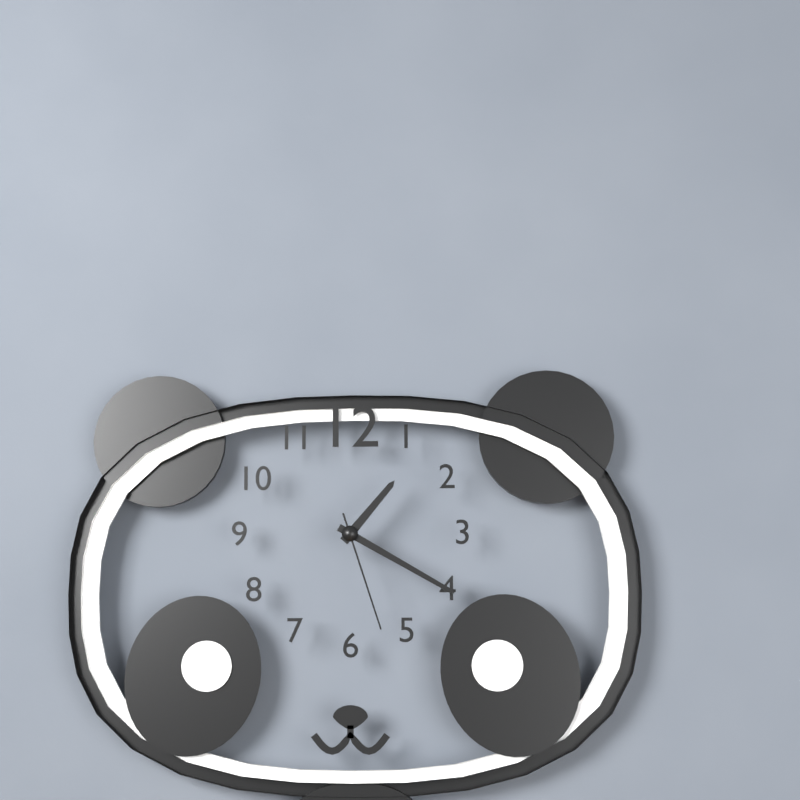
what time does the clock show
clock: 1:20:27
